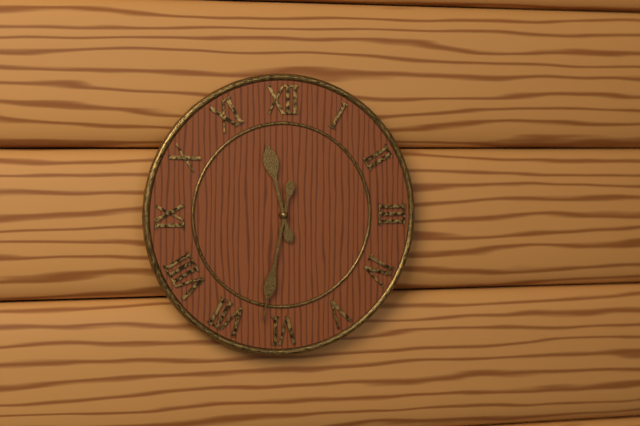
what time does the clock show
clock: 11:32
